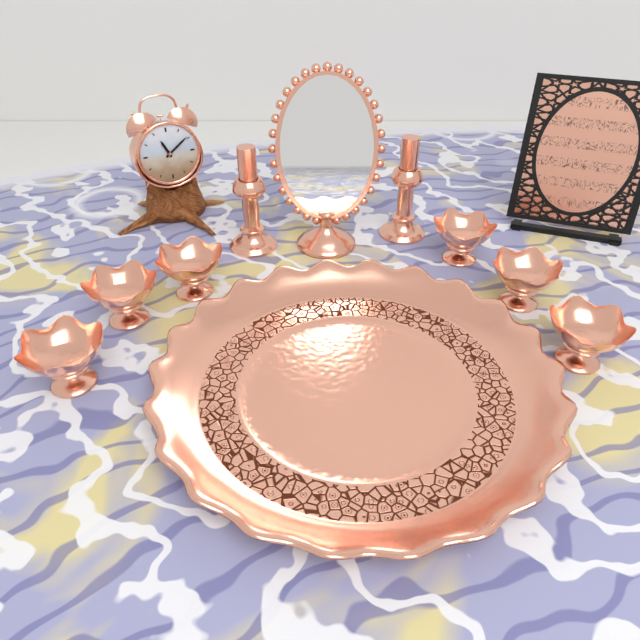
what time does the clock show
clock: 11:09
